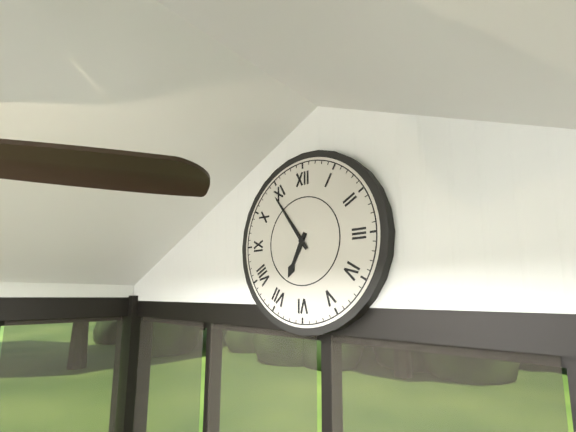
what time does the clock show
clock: 6:54
